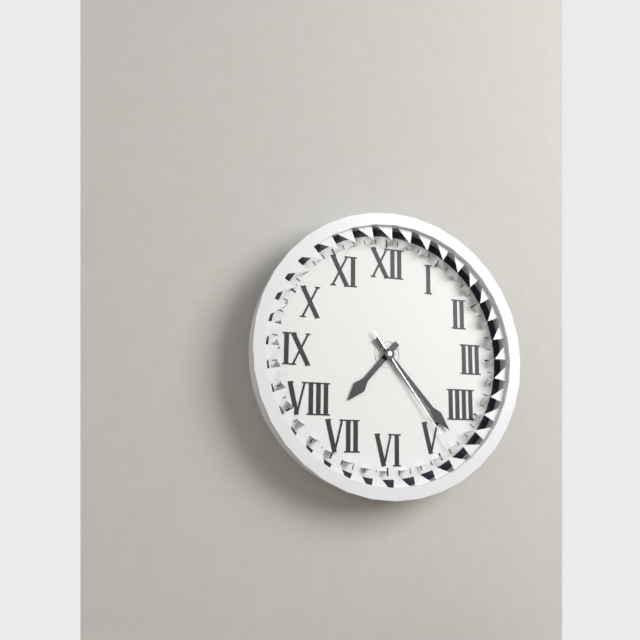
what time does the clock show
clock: 7:23:24
